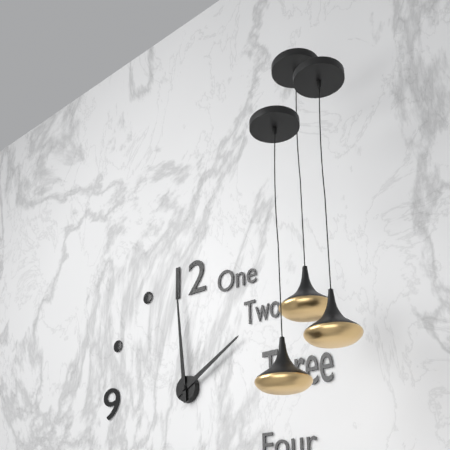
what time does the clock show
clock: 1:59
